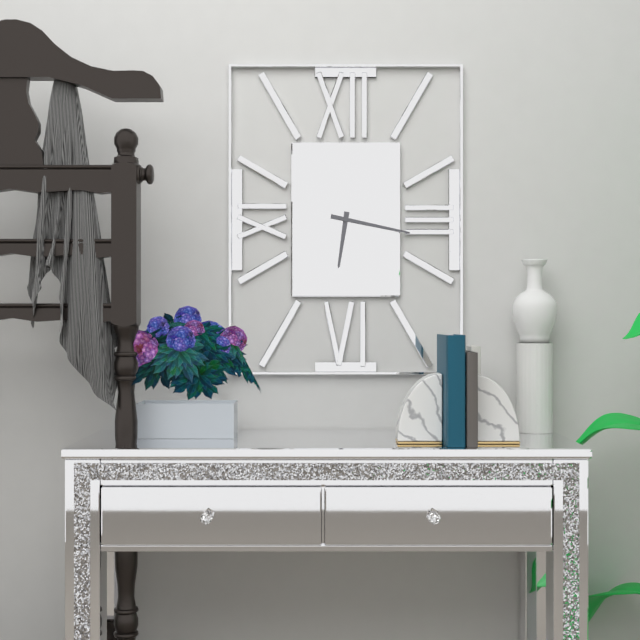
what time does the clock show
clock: 6:17
